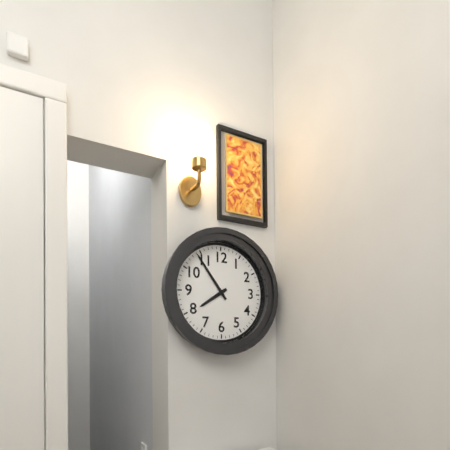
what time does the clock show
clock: 7:54
